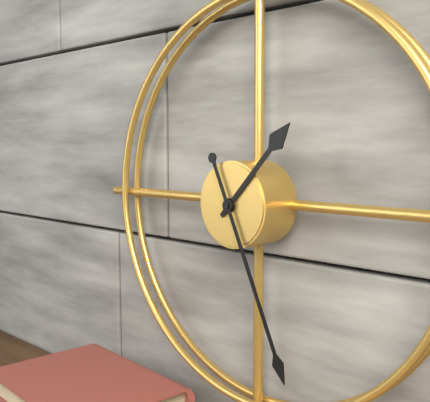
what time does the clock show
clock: 1:26
